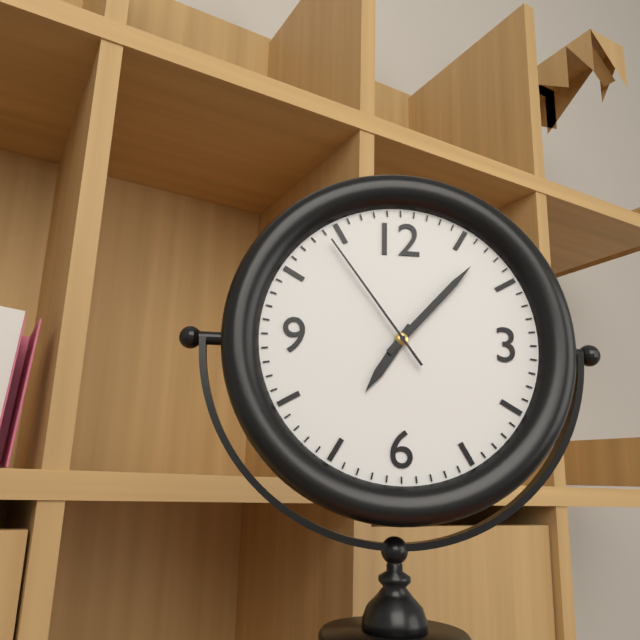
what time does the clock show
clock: 7:07:54
